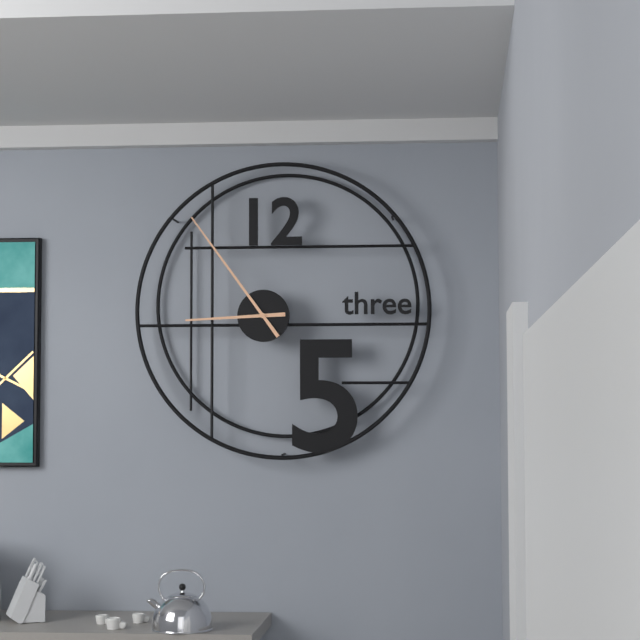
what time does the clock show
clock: 8:54
